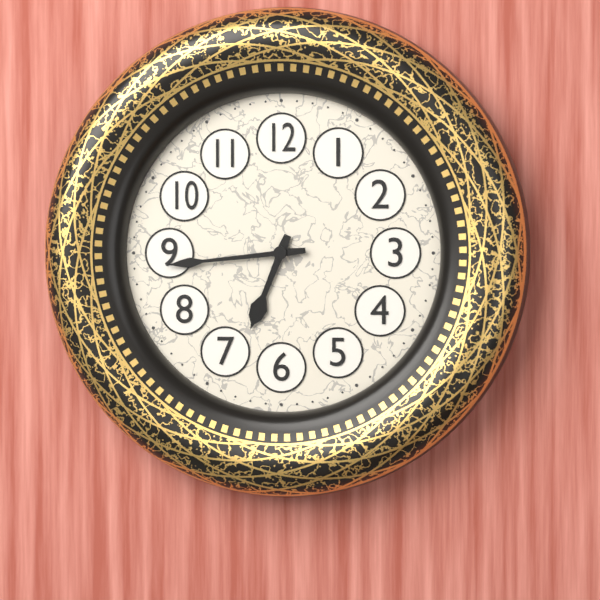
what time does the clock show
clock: 6:44
